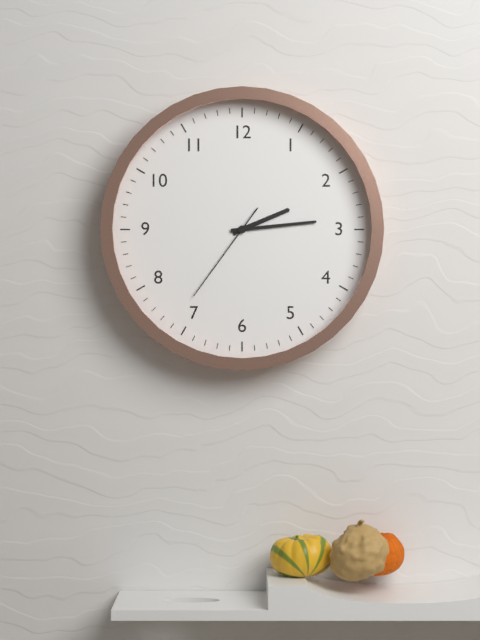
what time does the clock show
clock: 2:14:36
